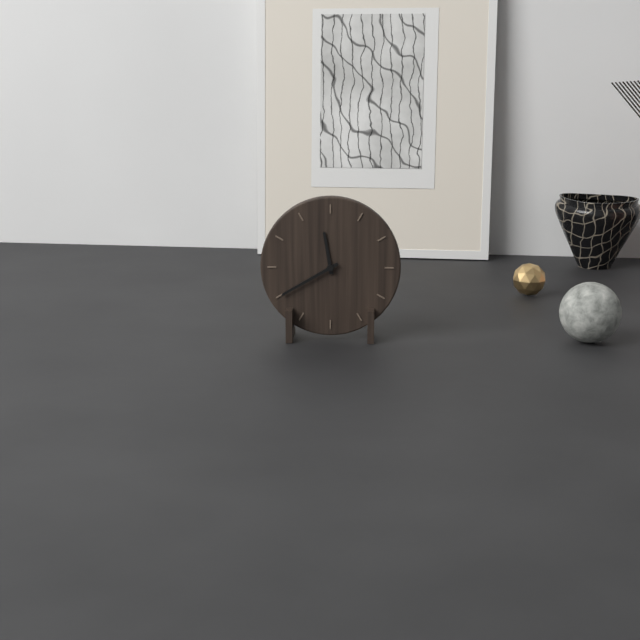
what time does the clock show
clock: 11:40
